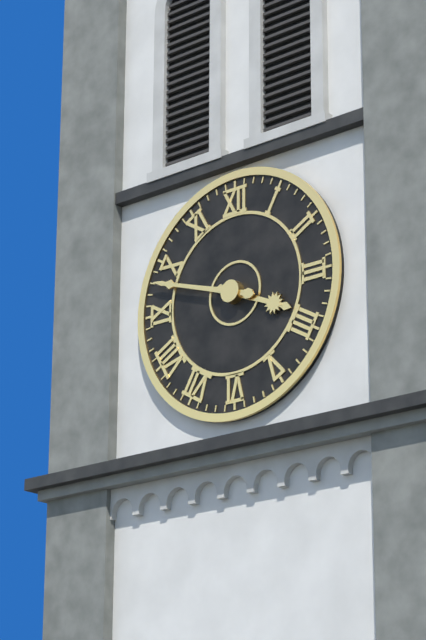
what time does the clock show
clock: 3:48
